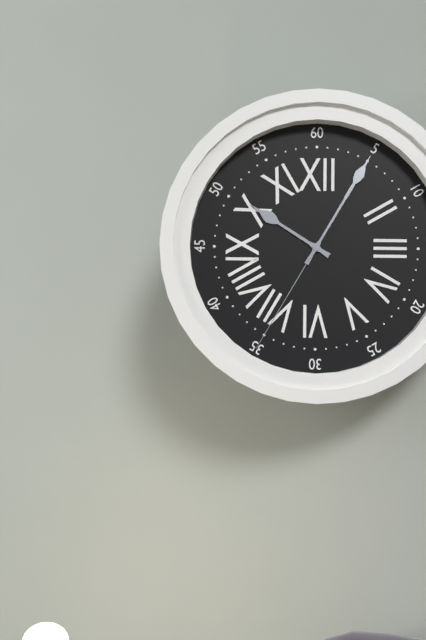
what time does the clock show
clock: 10:05:35
